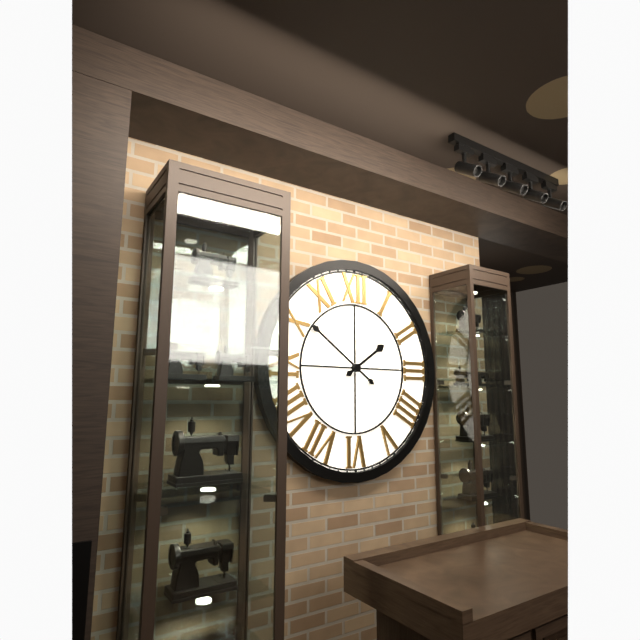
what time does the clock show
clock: 1:51
